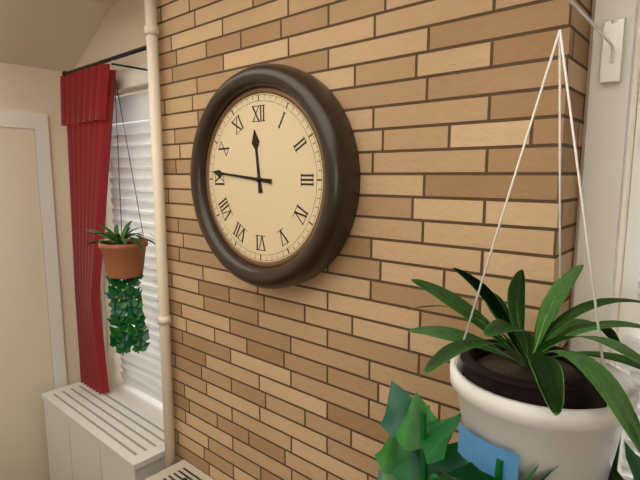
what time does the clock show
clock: 11:46
